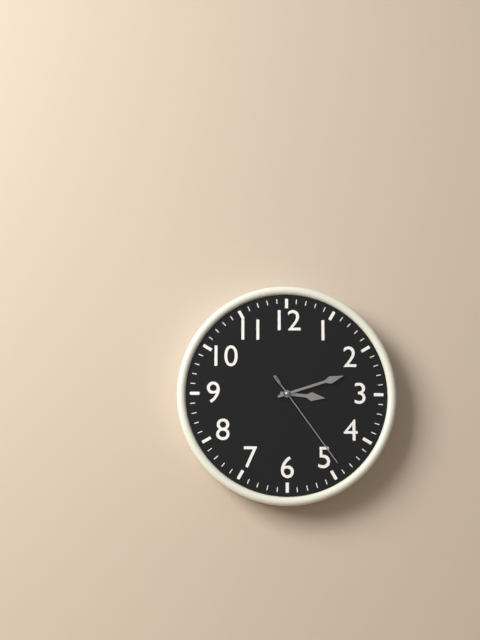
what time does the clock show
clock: 3:12:24
